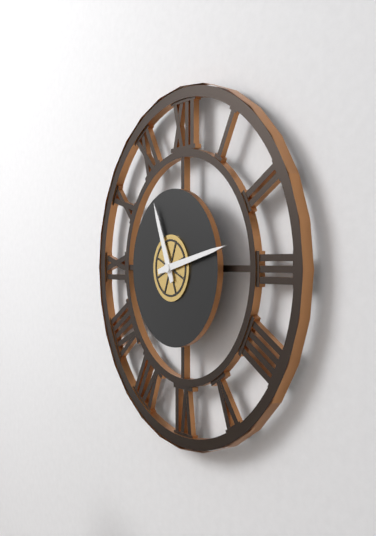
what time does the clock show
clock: 11:13
